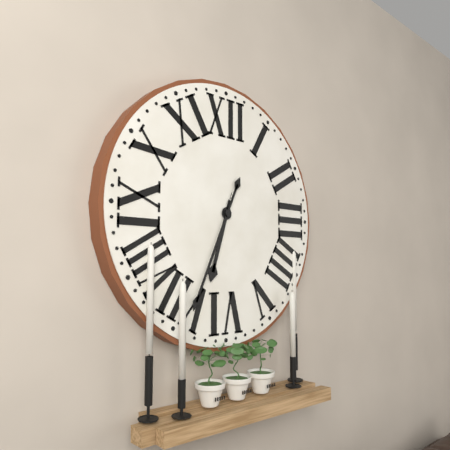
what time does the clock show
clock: 6:34
